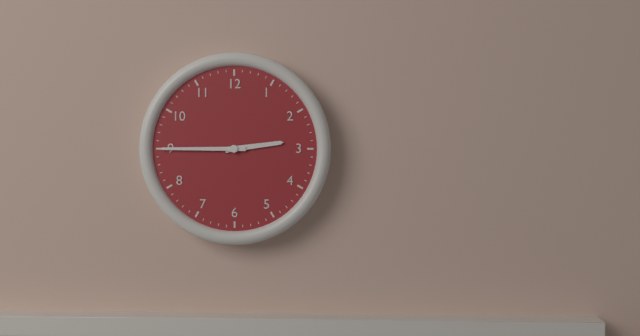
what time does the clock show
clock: 2:45
